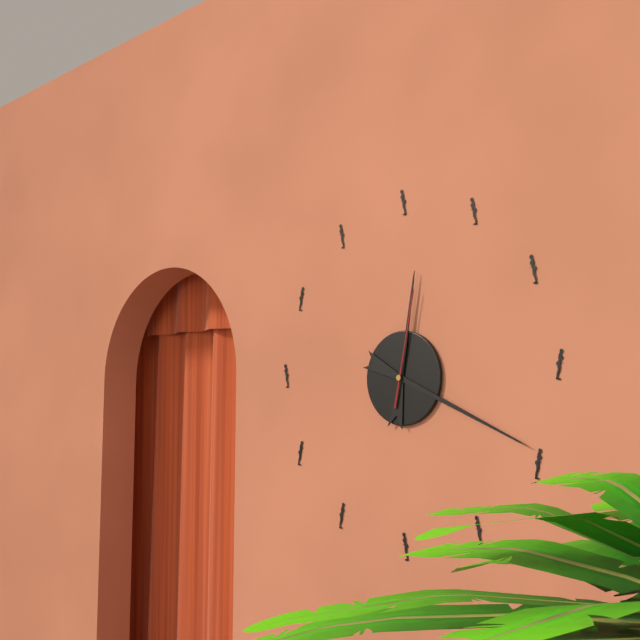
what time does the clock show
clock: 12:19:02
